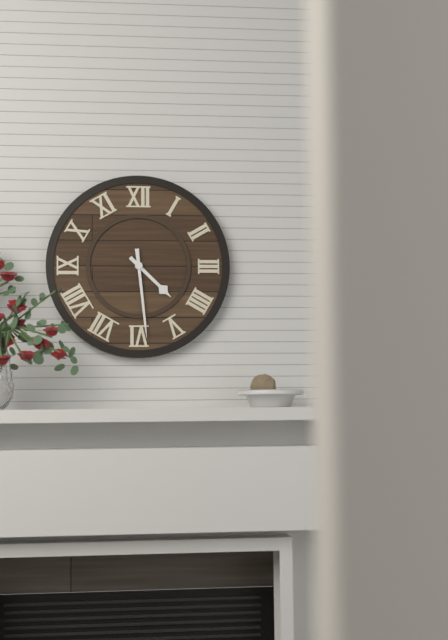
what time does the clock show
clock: 4:29
